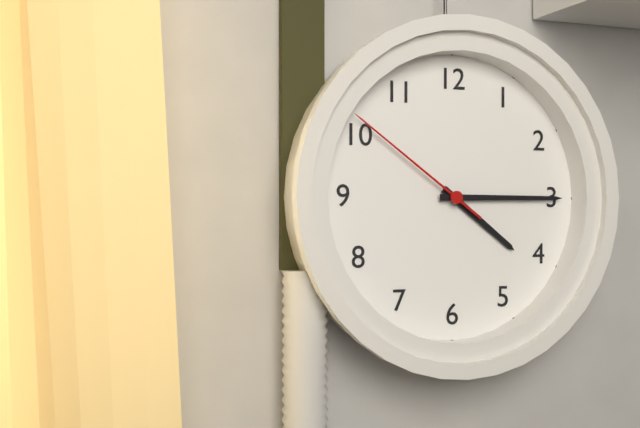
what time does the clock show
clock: 4:15:51
